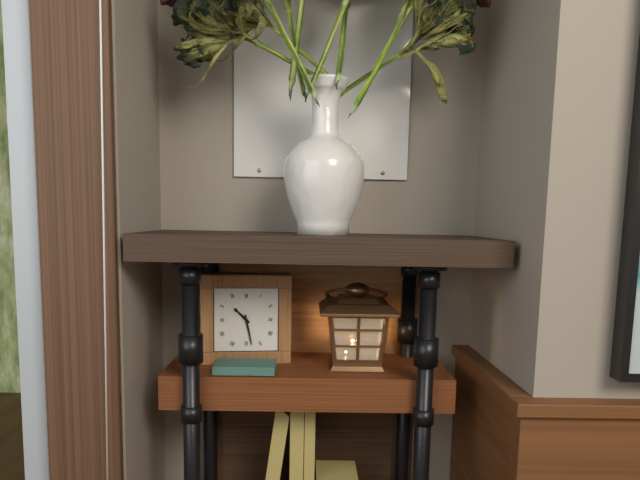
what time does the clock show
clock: 10:28
